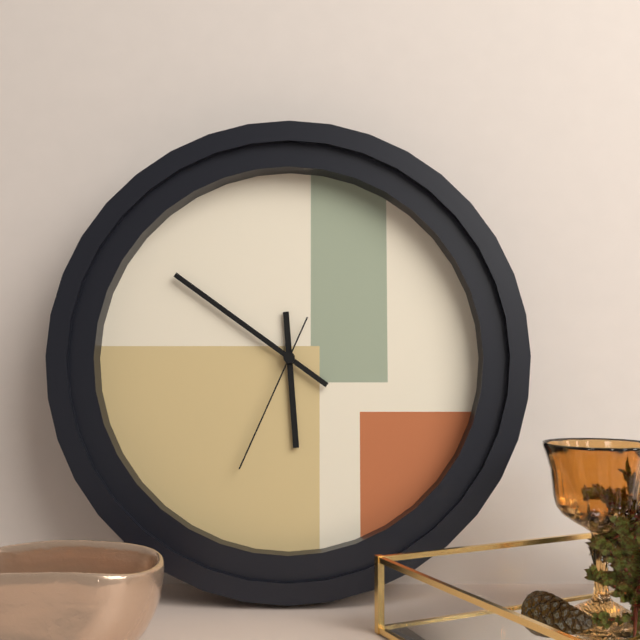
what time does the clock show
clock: 5:51:34
